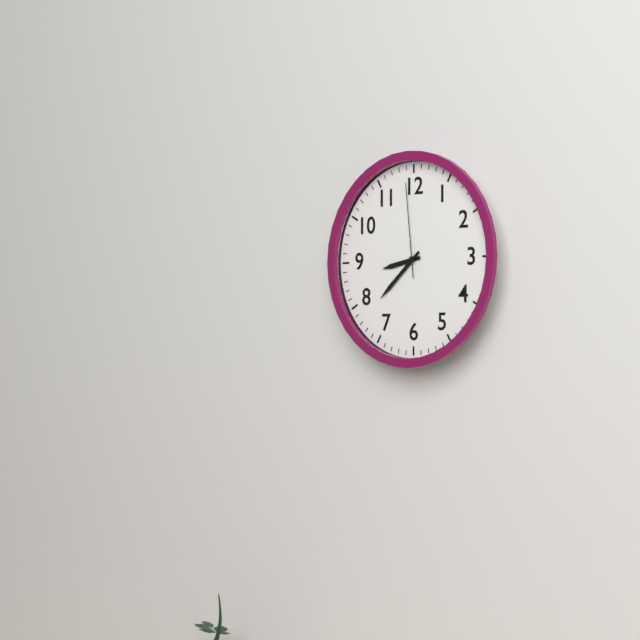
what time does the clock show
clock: 8:38:59
